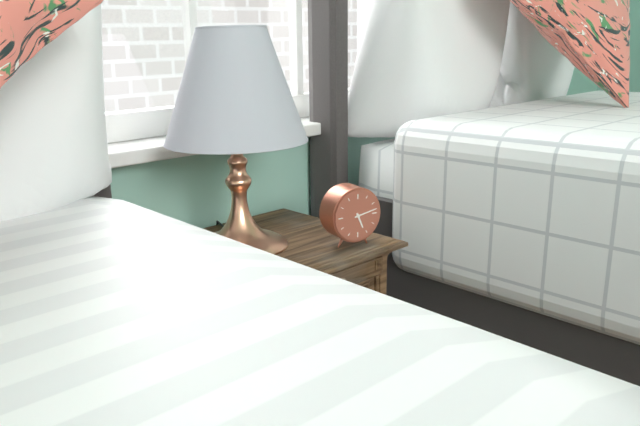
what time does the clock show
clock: 5:13
